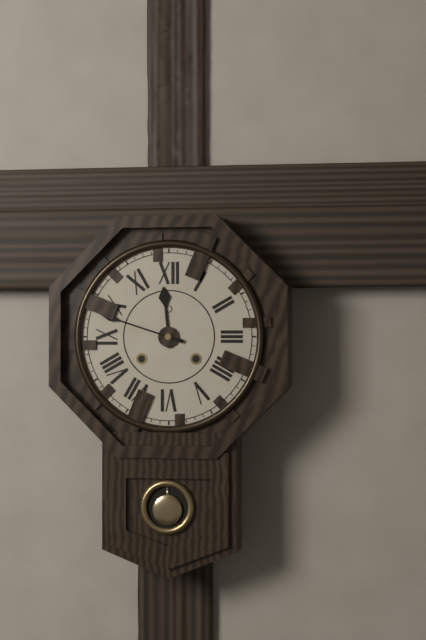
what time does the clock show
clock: 11:48
